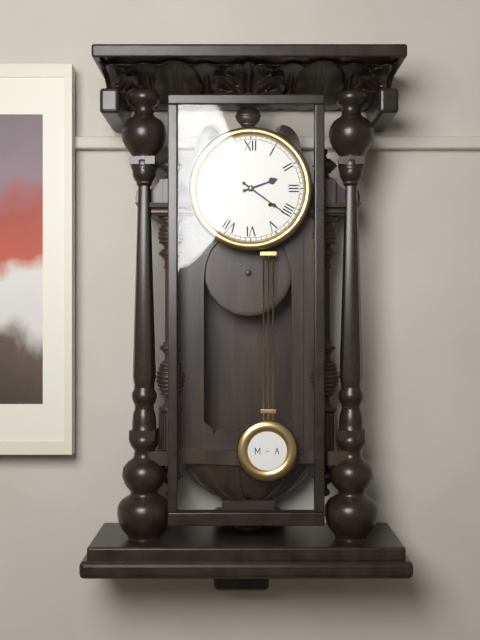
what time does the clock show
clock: 2:21
